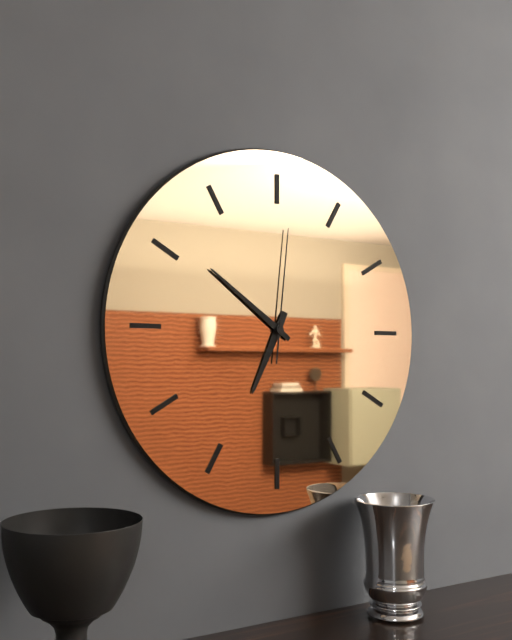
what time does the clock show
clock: 6:51:01
